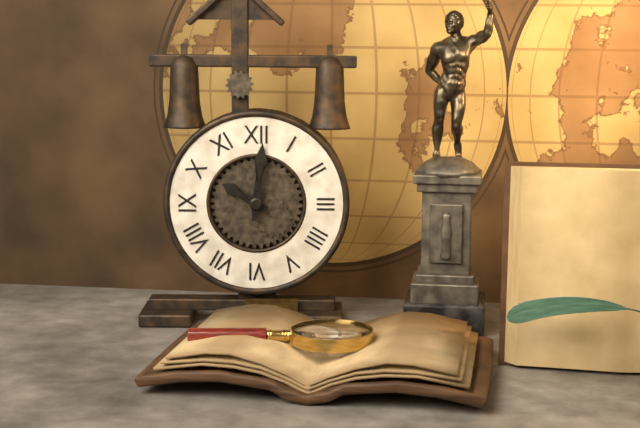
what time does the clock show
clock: 10:01
